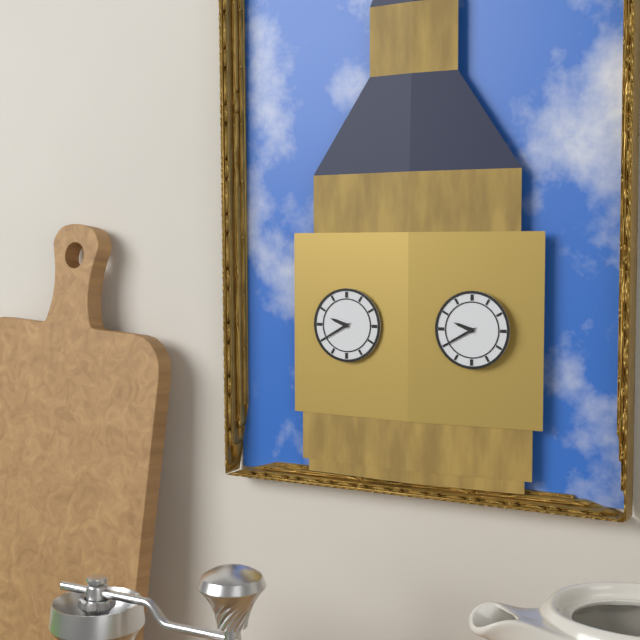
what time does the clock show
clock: 9:40
